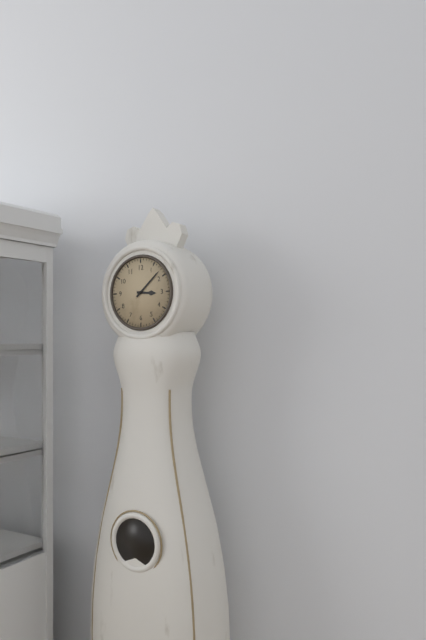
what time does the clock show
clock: 3:08
